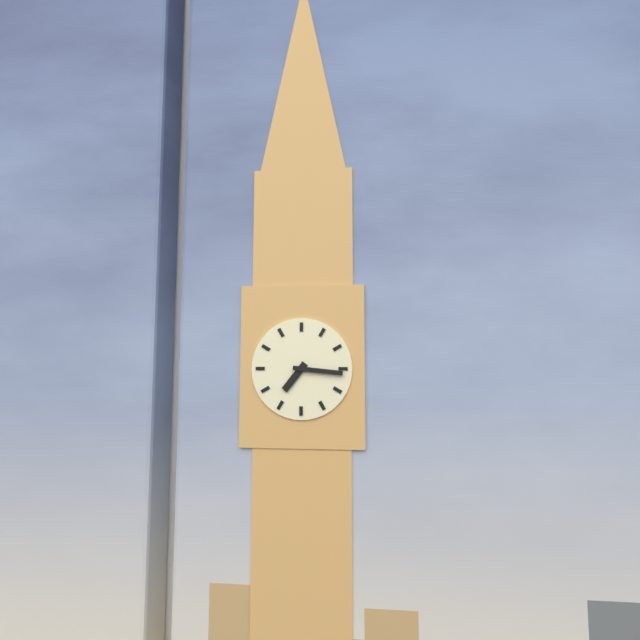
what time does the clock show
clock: 7:16
